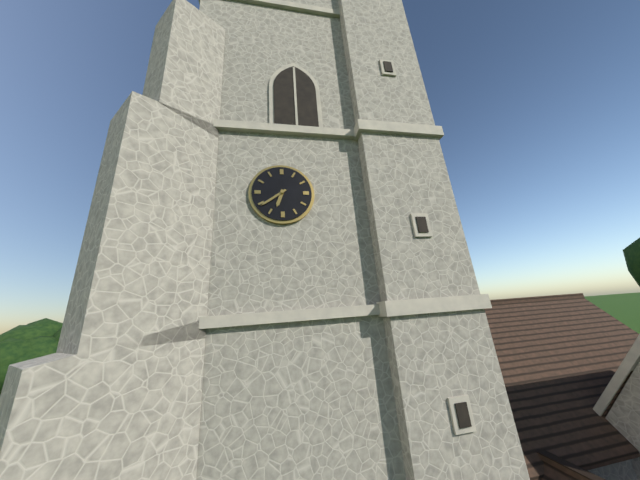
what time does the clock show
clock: 6:39
